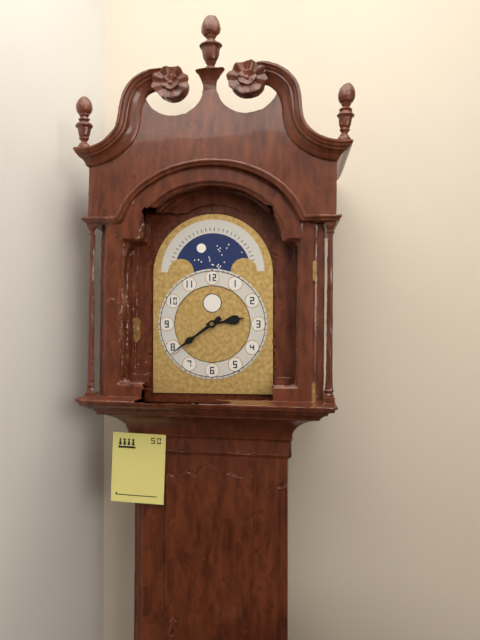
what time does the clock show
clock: 2:39
